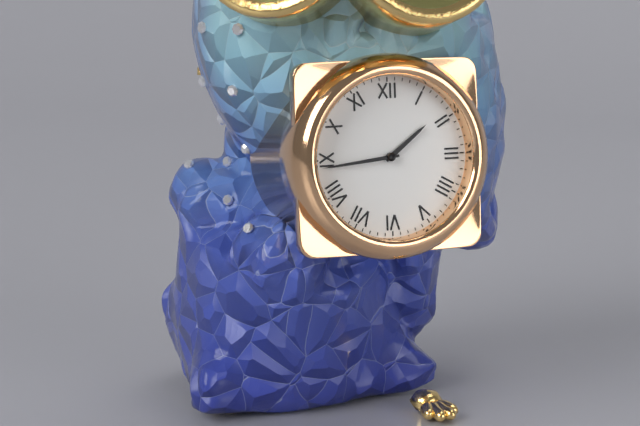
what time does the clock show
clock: 1:44
